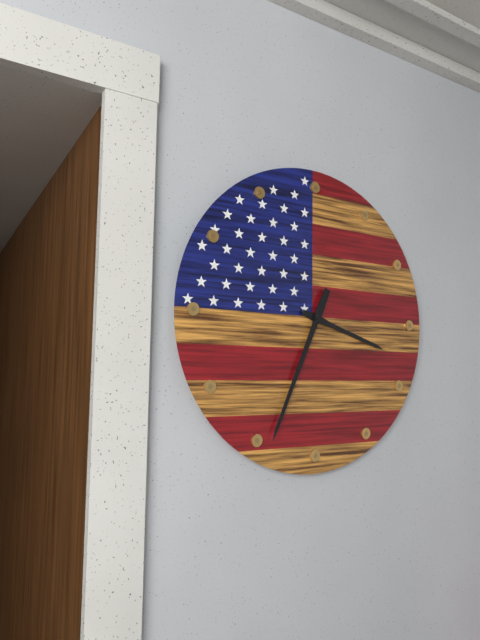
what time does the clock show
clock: 3:34
